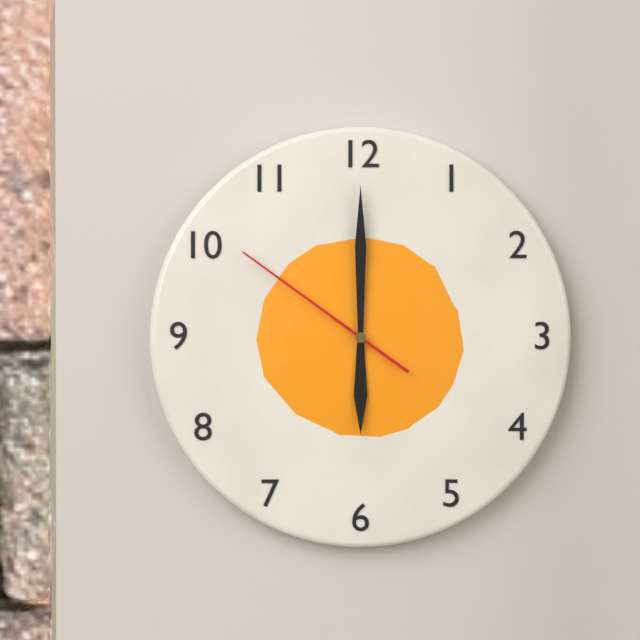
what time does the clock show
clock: 6:00:51
